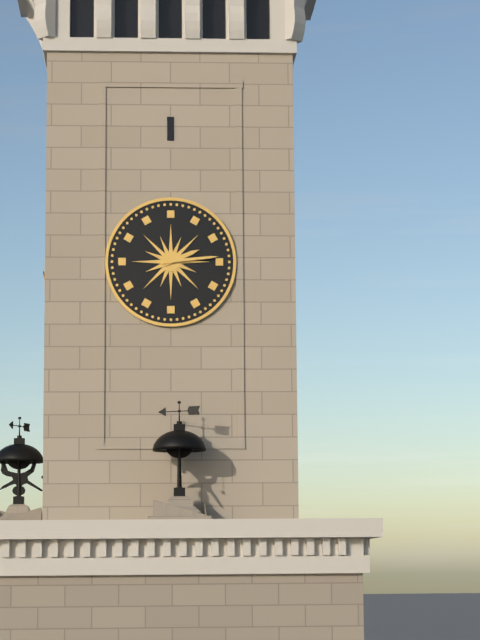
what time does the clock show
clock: 2:14
